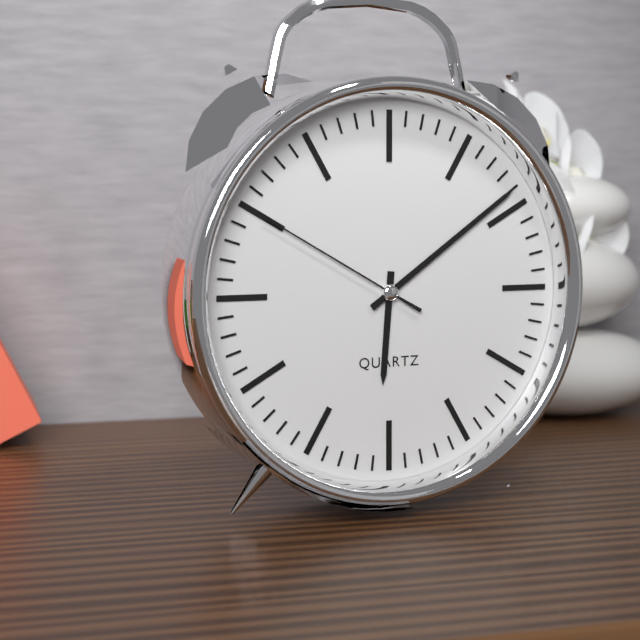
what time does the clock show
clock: 6:09:50
